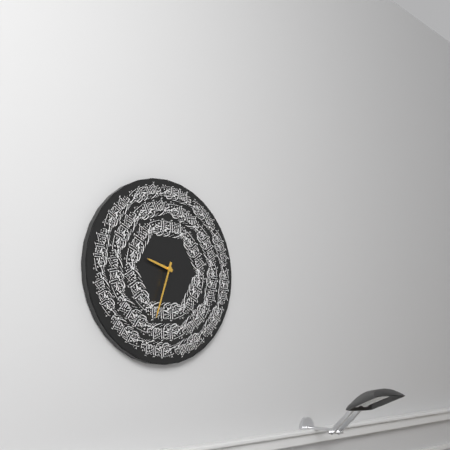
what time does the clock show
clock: 9:33
